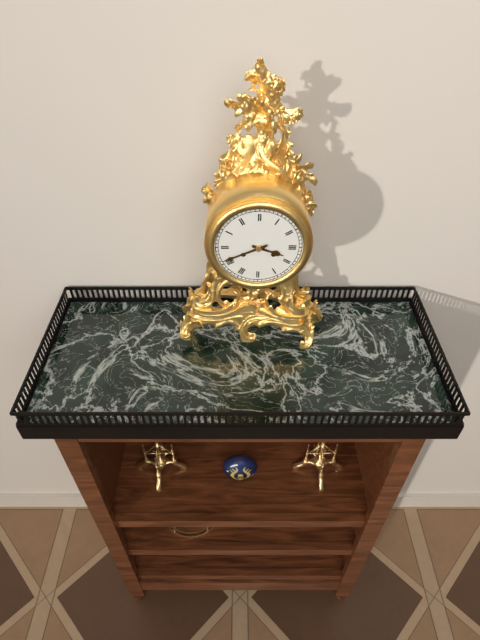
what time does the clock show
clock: 3:41
